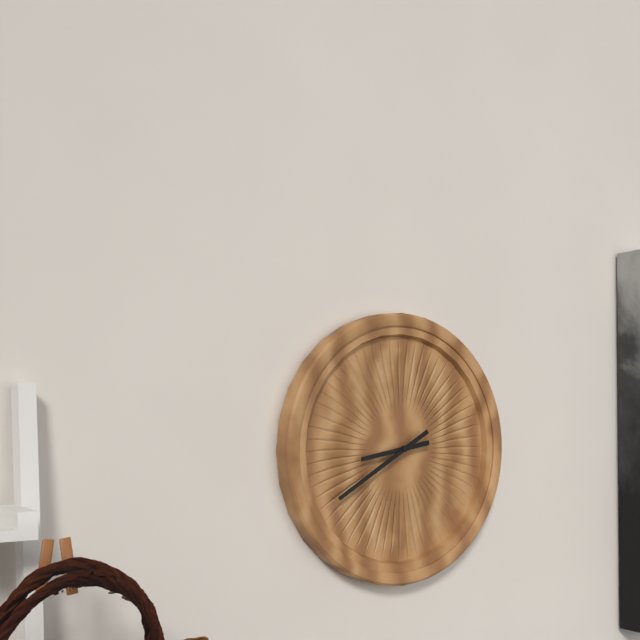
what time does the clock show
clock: 8:40
